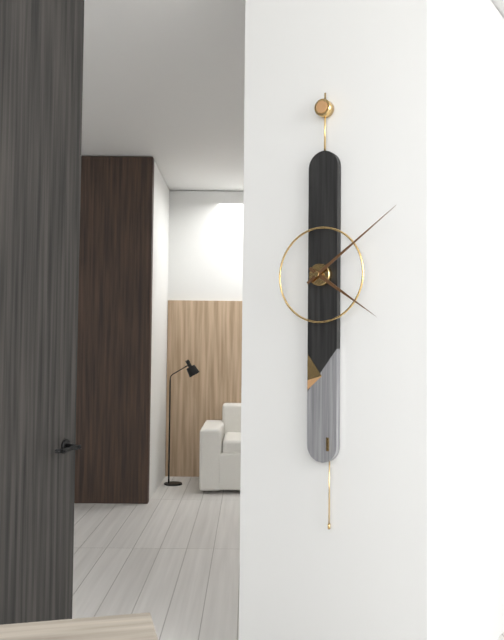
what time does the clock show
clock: 4:09
